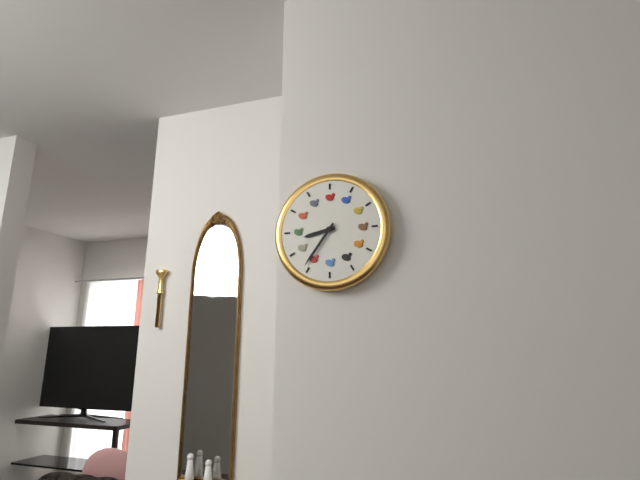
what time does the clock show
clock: 8:36
